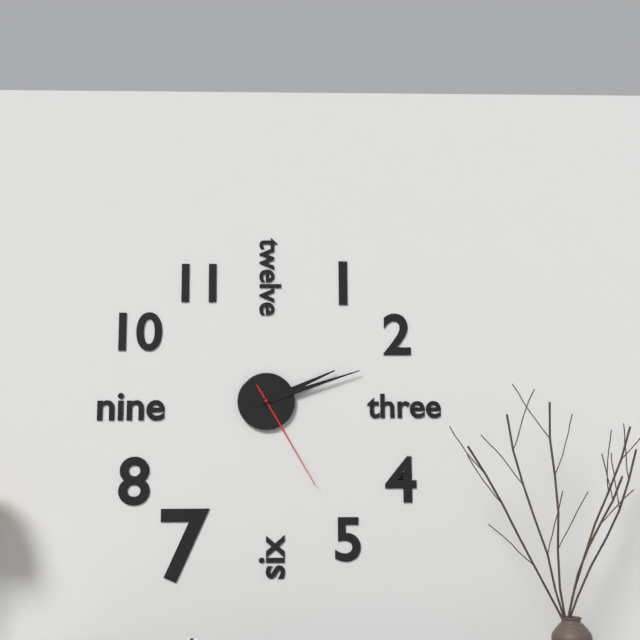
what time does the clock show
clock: 2:12:25
